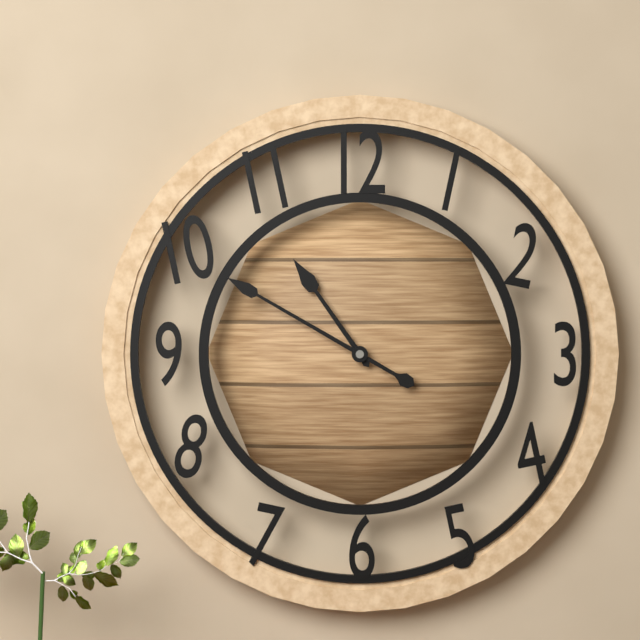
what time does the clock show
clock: 10:50
